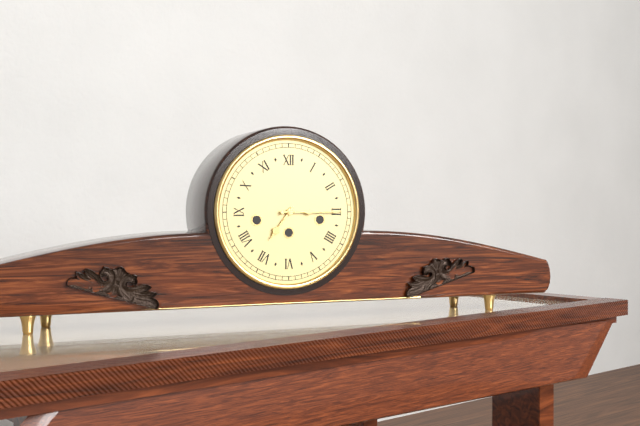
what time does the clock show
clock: 7:15
